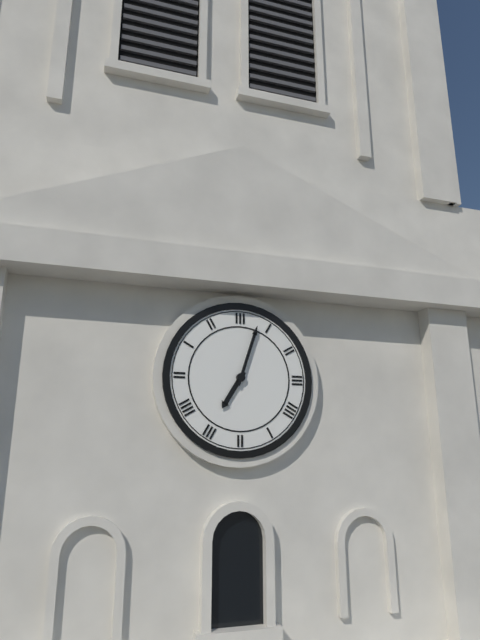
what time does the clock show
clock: 7:03
